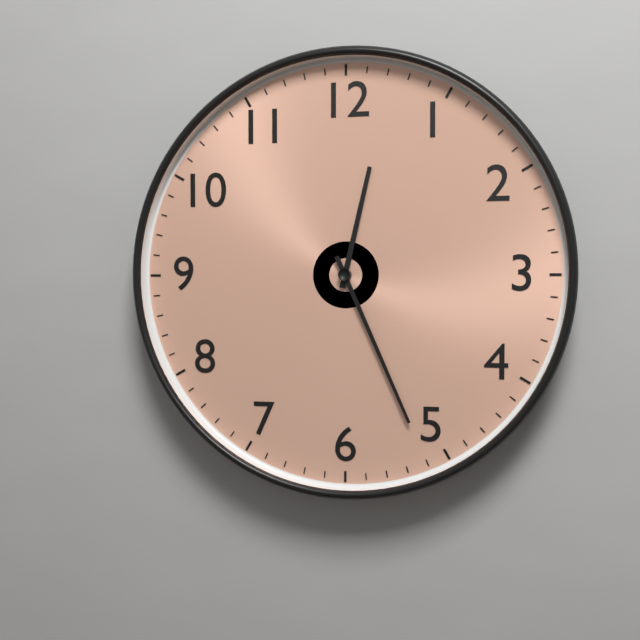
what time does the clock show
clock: 12:26
